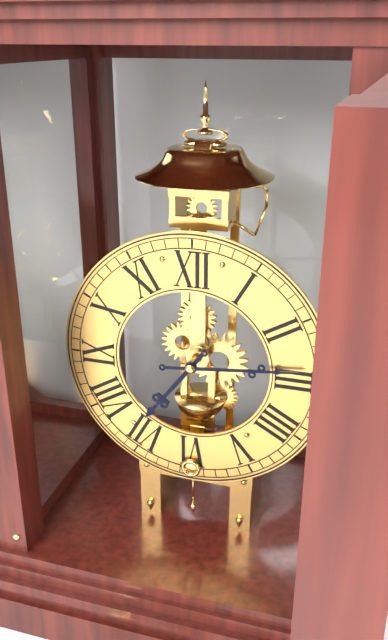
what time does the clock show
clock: 7:14
